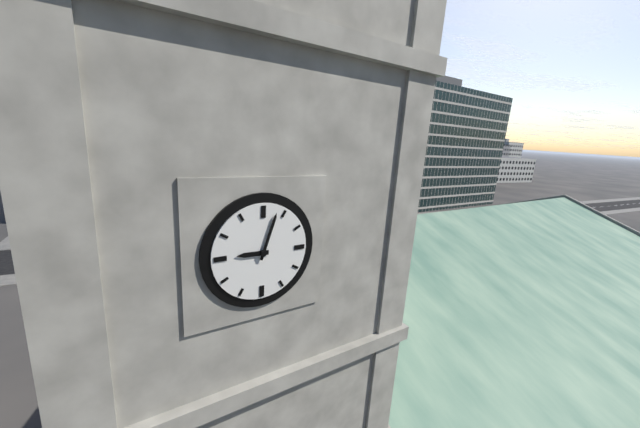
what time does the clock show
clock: 9:03
